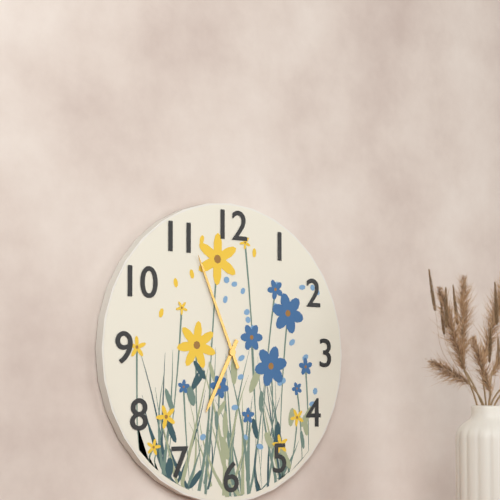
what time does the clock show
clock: 6:56
